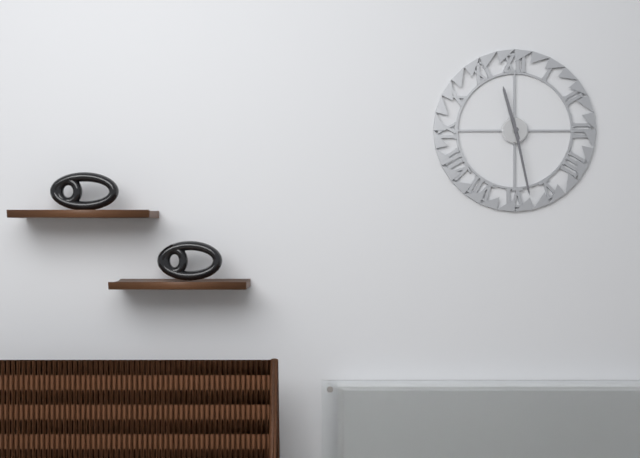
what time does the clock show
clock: 11:28
